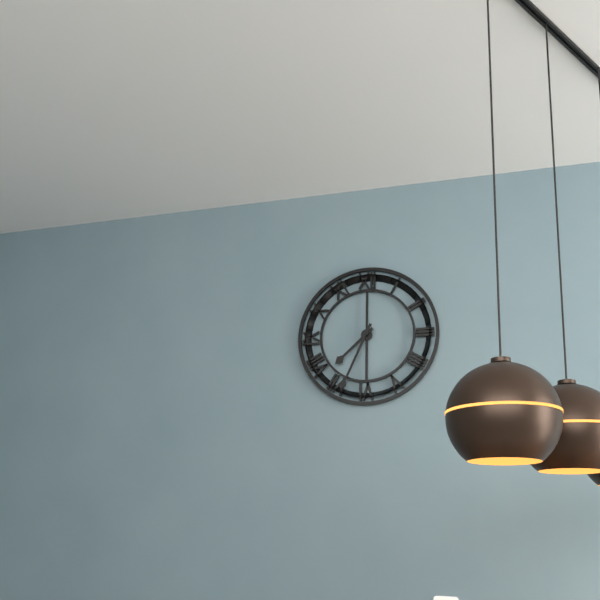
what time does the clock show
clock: 7:34
